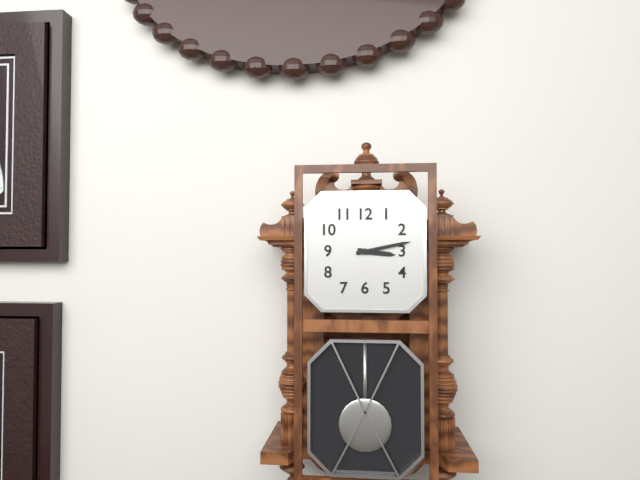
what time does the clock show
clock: 3:13
